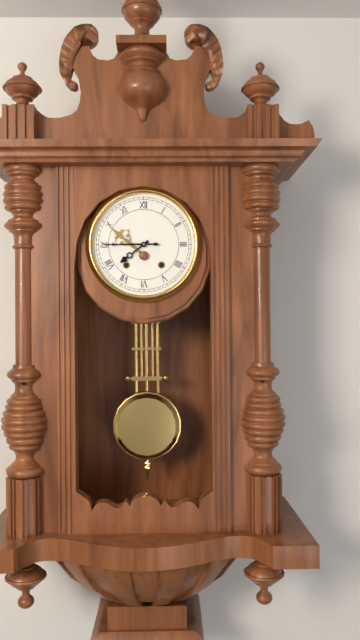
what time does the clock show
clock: 7:45
